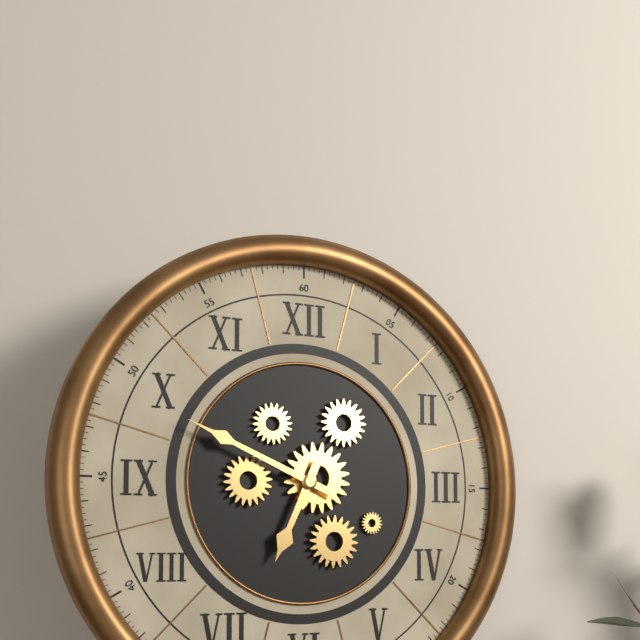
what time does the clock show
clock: 6:49
